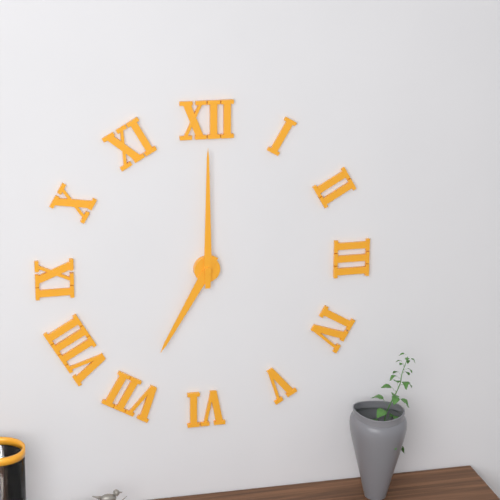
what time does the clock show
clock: 7:00
